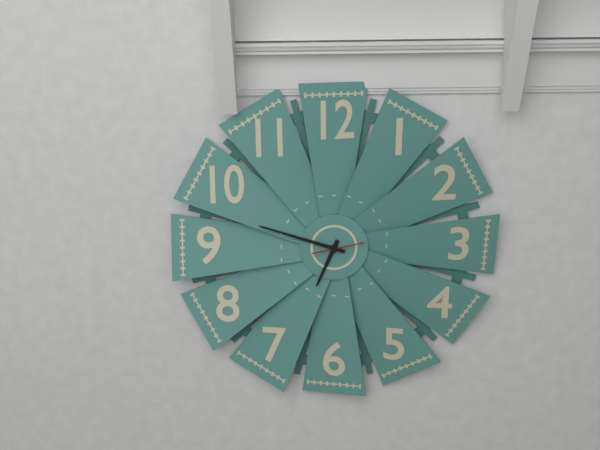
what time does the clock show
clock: 6:48
